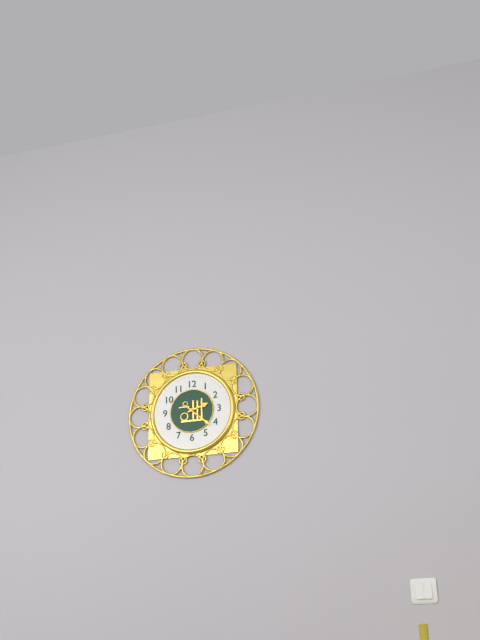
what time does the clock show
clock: 2:22
